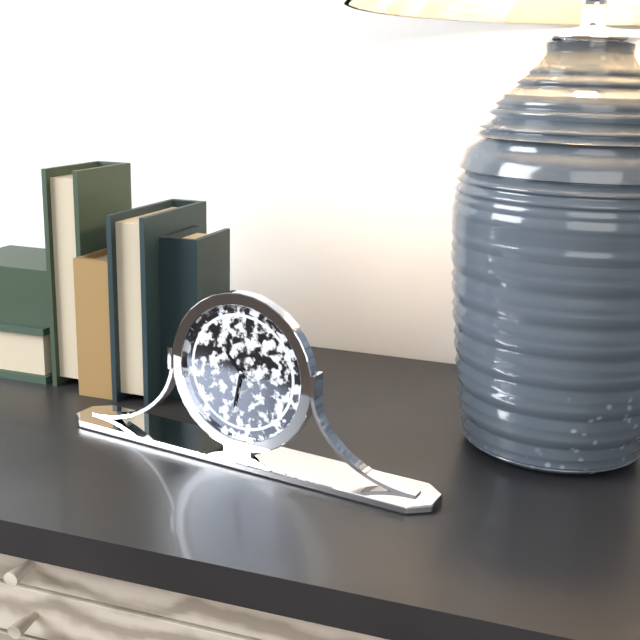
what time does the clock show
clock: 10:32
